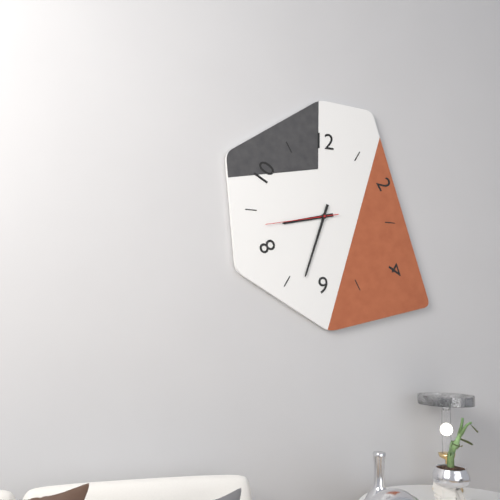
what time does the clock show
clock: 8:33:43
